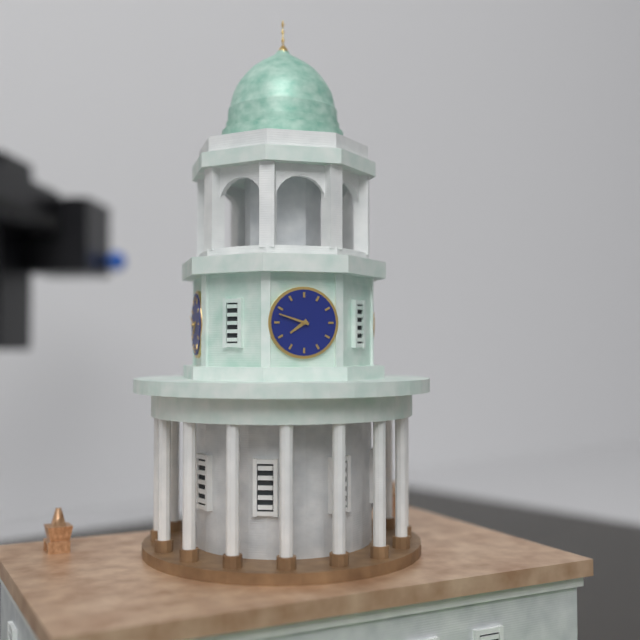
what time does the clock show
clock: 7:48
